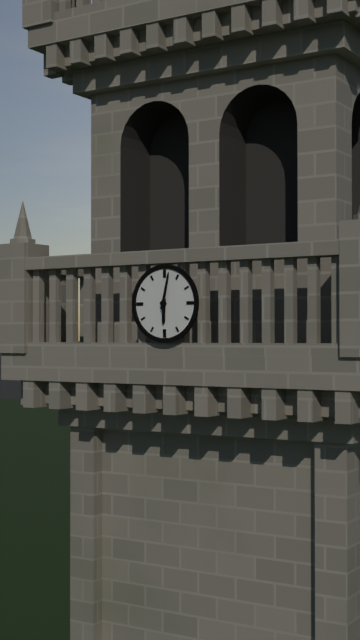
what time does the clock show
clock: 6:02
